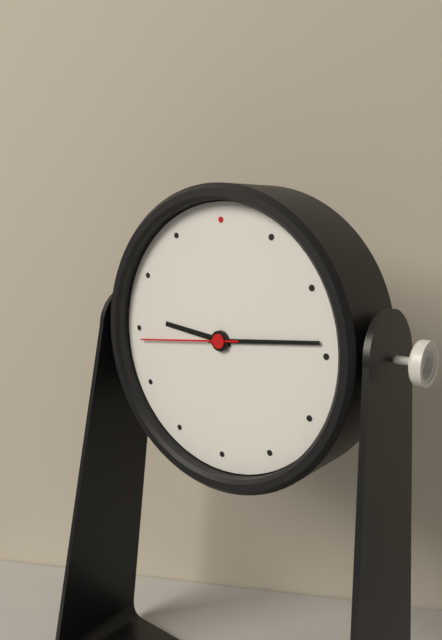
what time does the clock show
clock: 9:14:44
